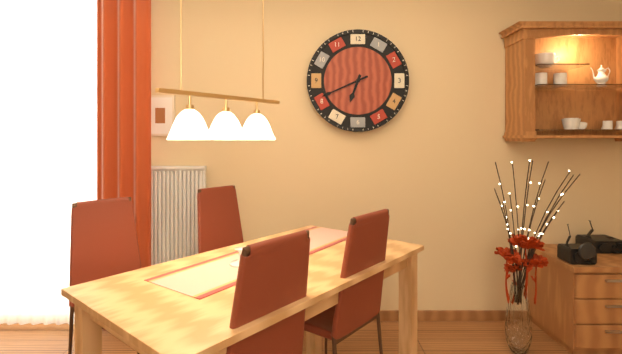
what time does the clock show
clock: 6:41
